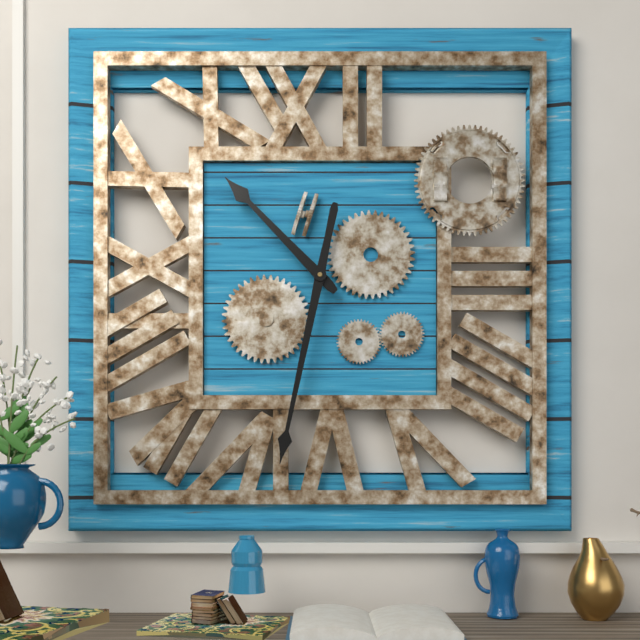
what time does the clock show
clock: 10:32
